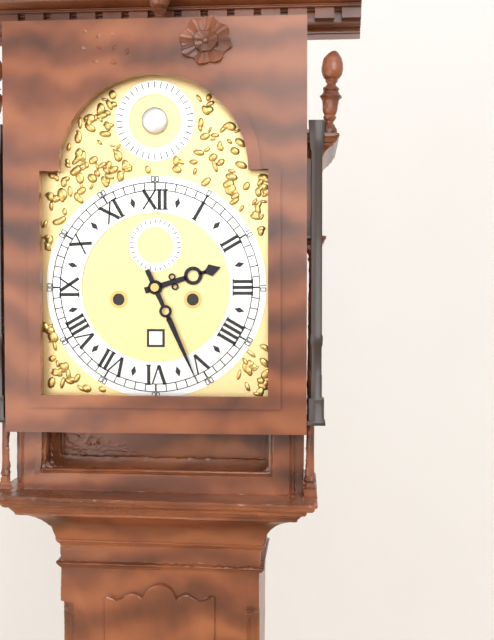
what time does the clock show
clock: 2:26
